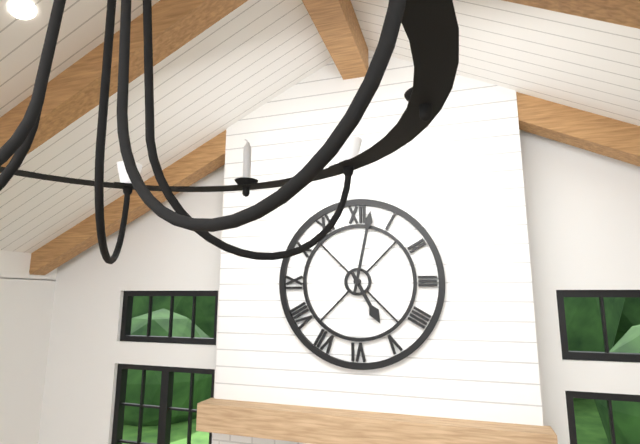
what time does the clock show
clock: 5:02
